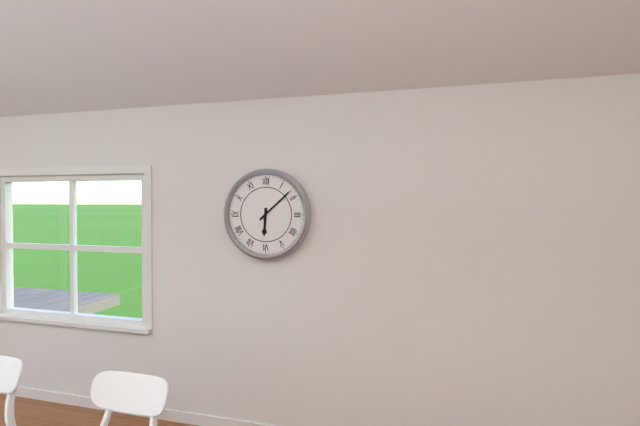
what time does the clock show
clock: 6:08
